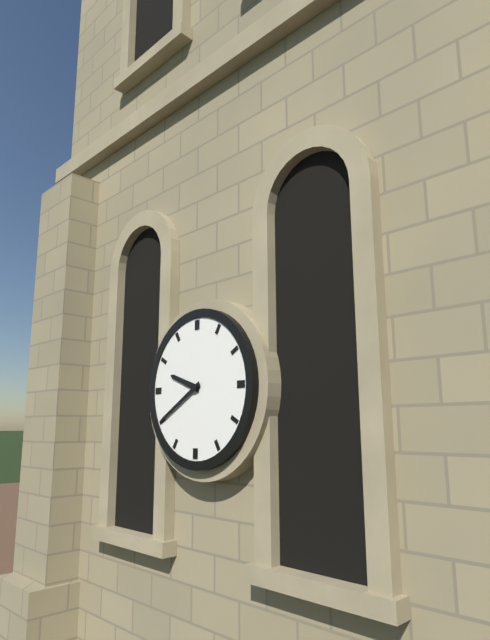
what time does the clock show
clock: 9:40
